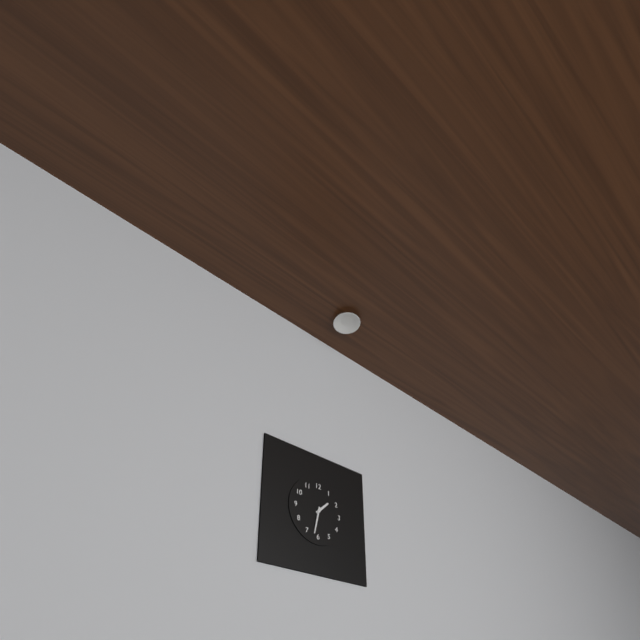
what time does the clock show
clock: 1:32
